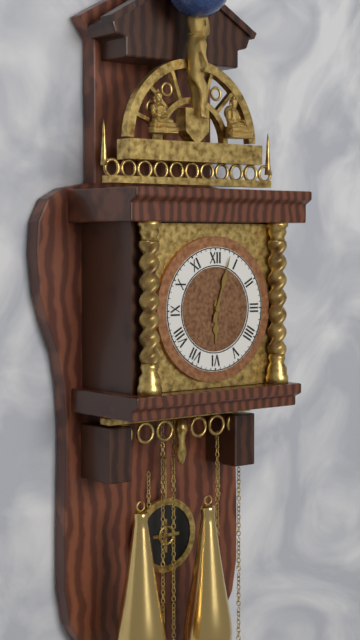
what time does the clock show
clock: 6:03
